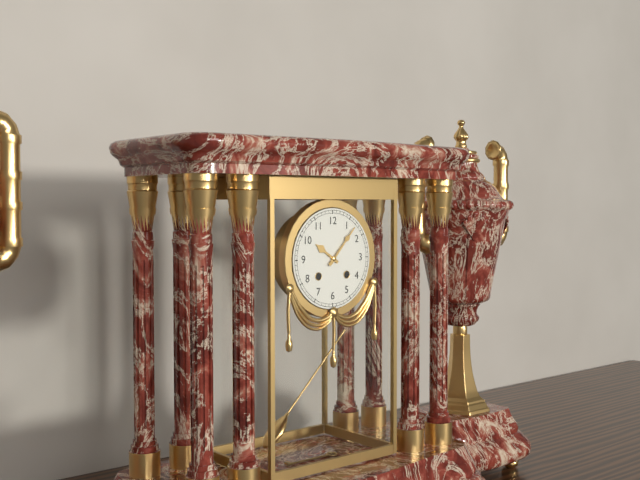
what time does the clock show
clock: 10:07
